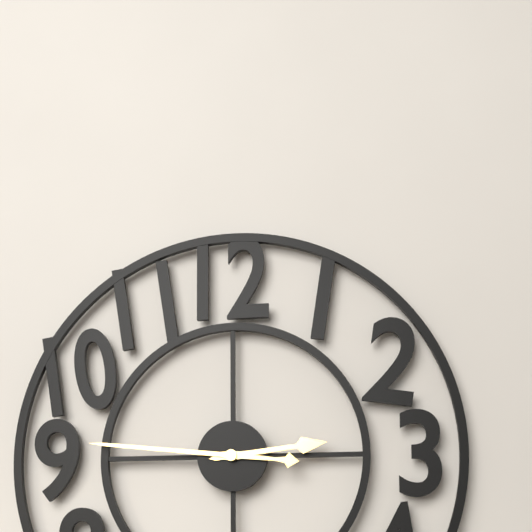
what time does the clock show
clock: 2:46
